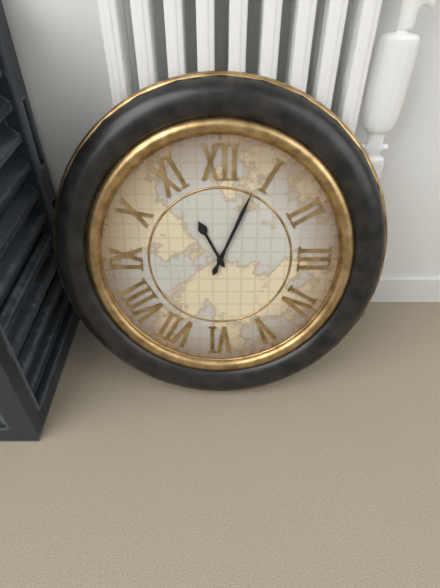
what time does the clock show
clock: 11:04
